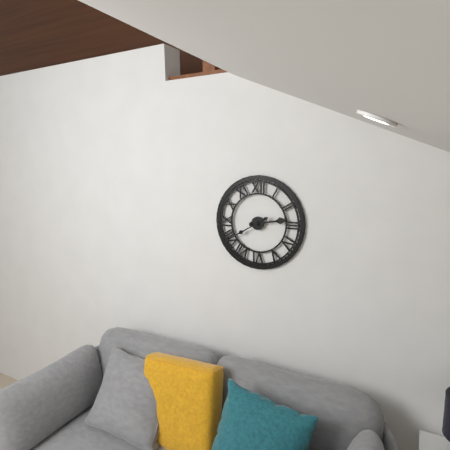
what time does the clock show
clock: 2:40
